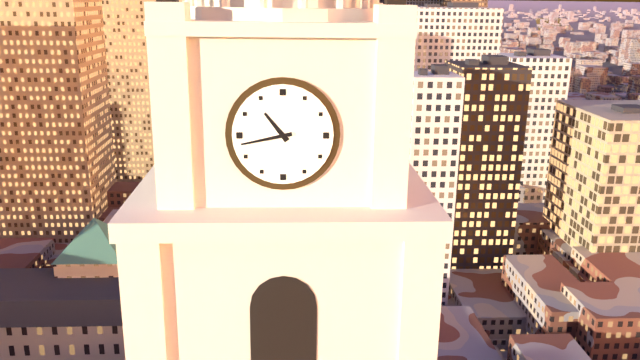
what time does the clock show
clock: 10:43
